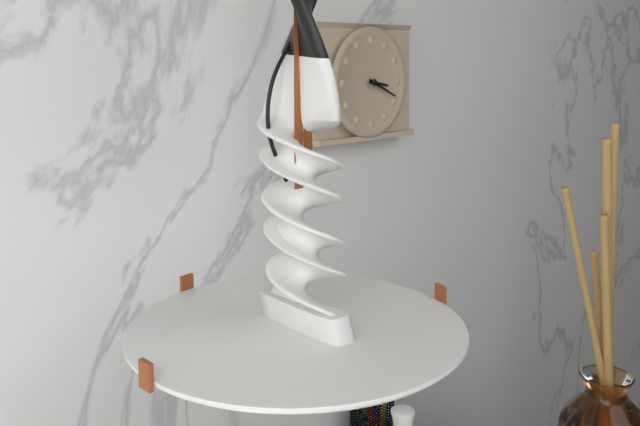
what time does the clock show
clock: 3:19
